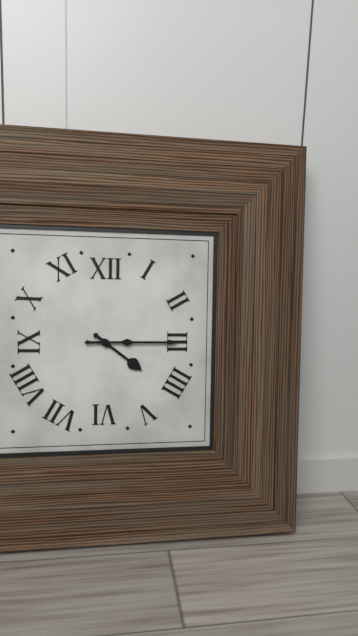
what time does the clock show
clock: 4:15
